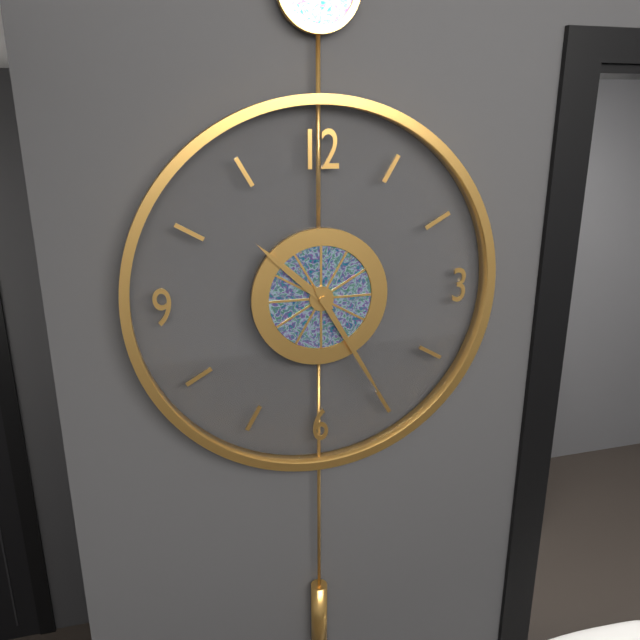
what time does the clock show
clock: 10:25
